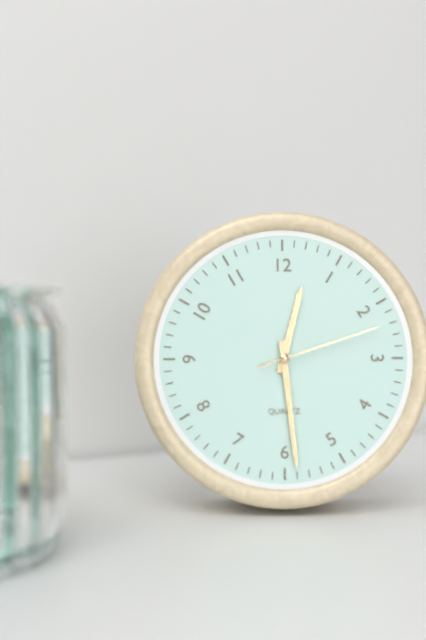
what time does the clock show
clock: 12:29:12
